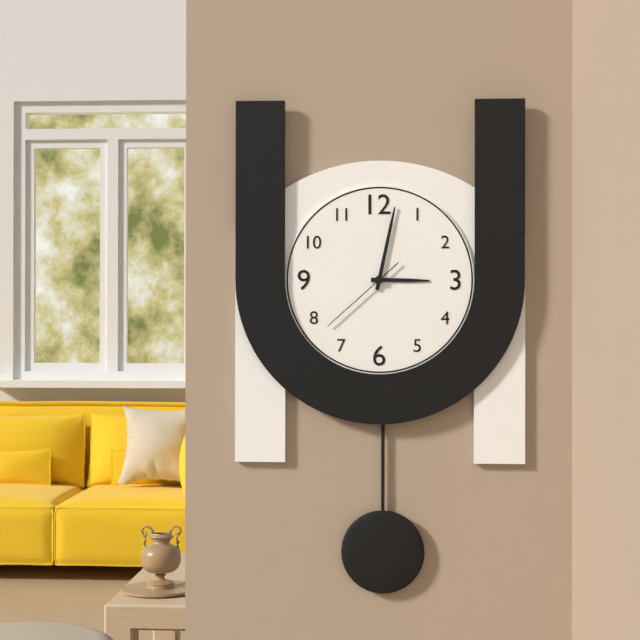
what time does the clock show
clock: 3:02:38
